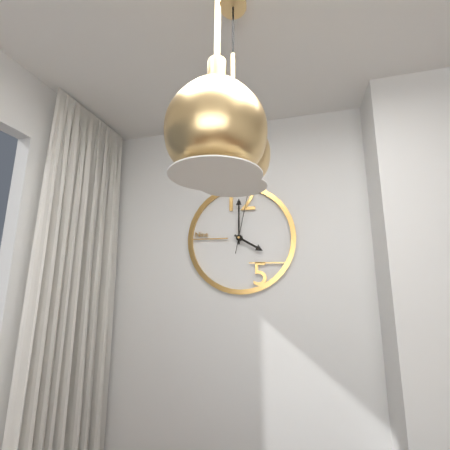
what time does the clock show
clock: 4:00:02
